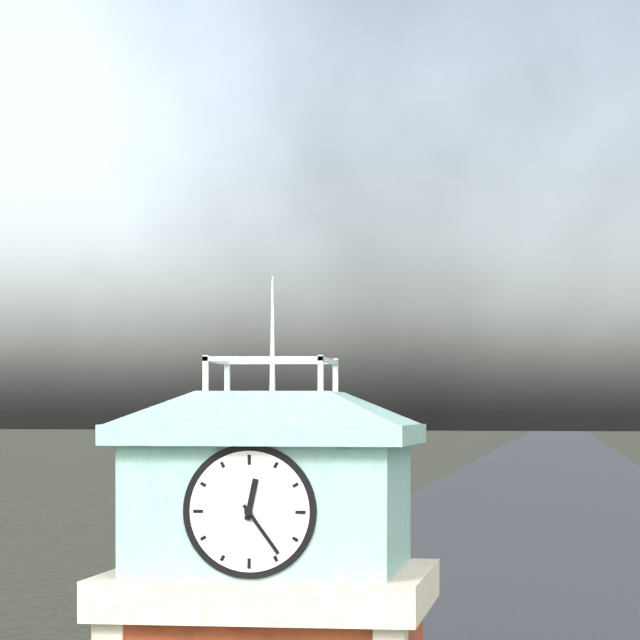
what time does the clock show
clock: 12:24
